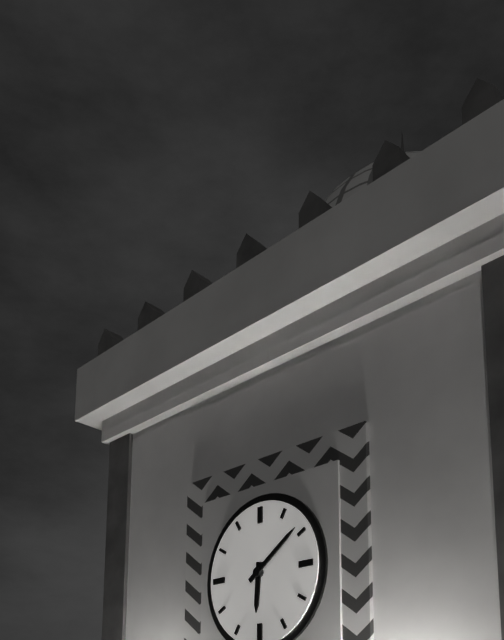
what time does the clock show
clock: 6:09
